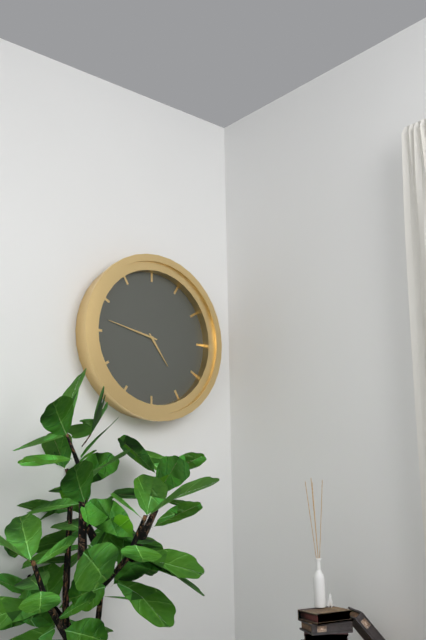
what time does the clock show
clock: 4:47
